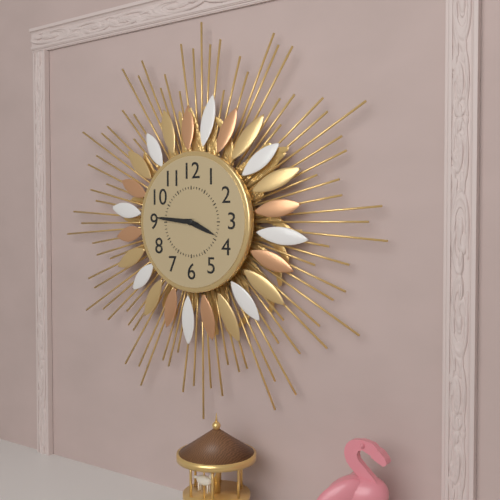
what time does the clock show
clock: 3:46
